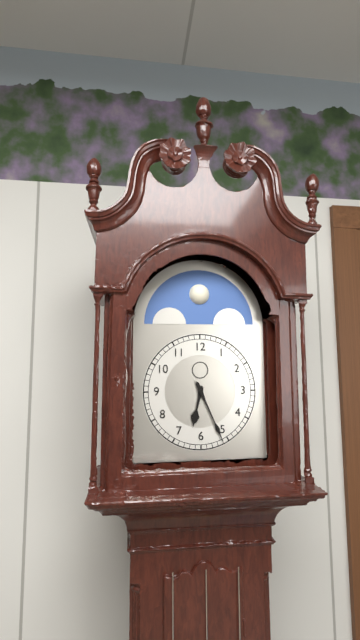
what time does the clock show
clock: 6:26
